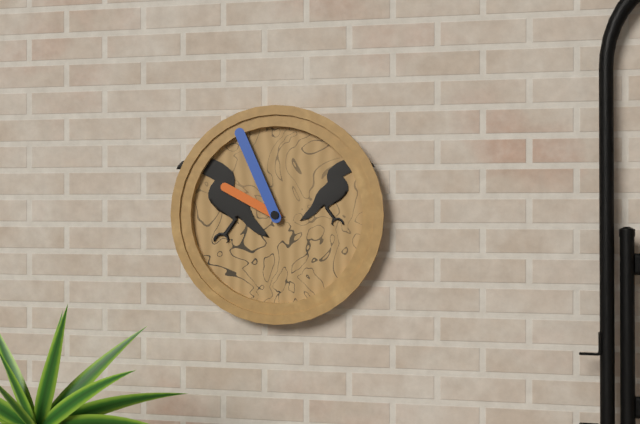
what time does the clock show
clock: 9:56
